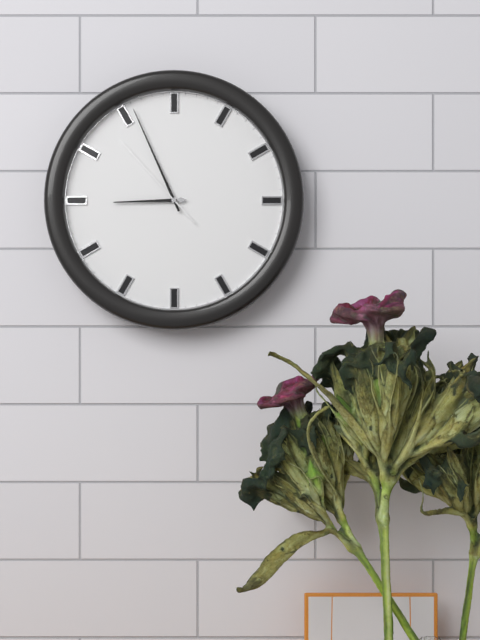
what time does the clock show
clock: 8:56:53
